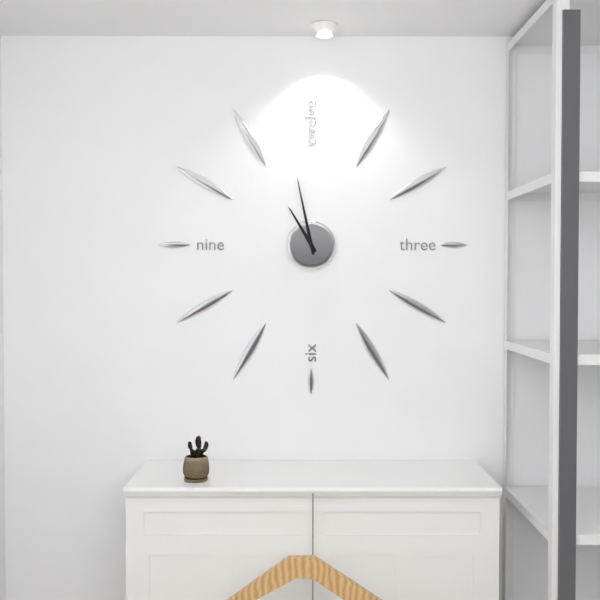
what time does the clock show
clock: 10:58
